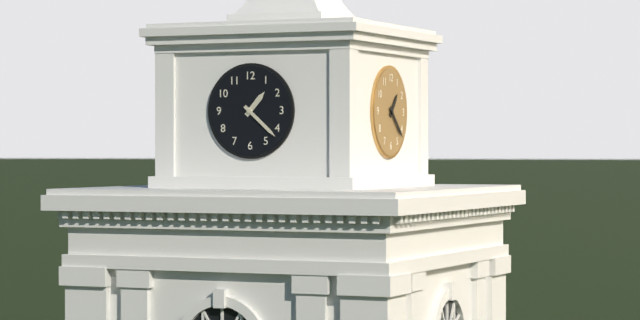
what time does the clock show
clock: 1:22
